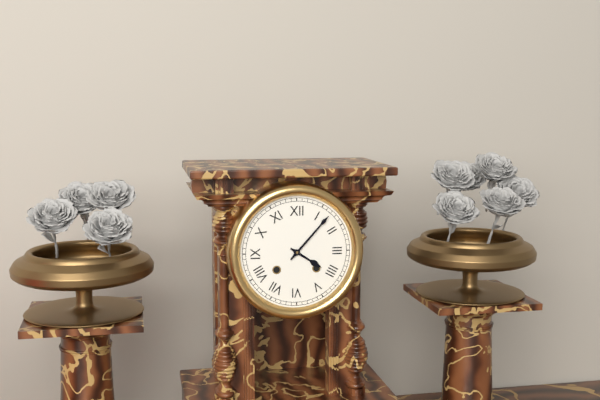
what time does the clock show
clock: 4:07
